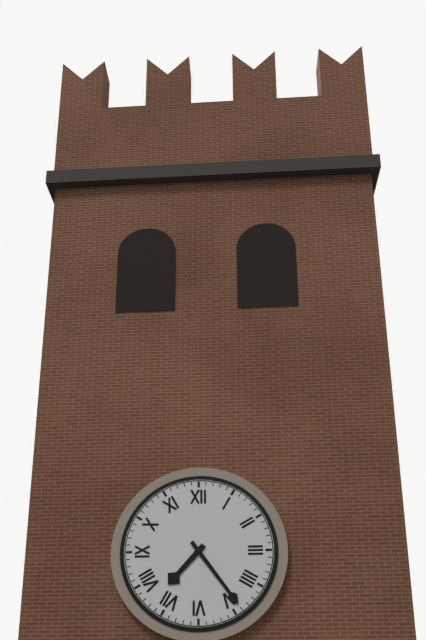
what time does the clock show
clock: 7:24
